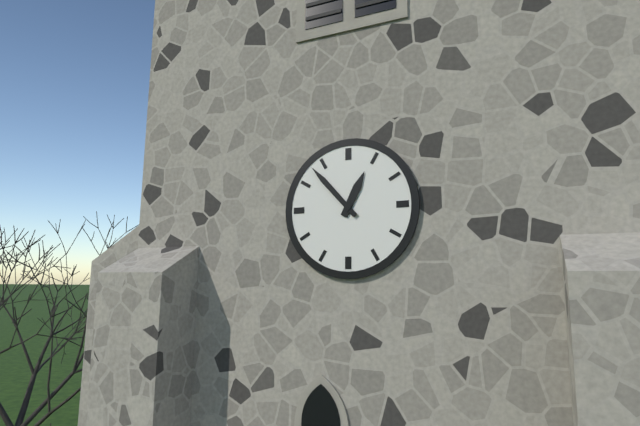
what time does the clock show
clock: 12:53
